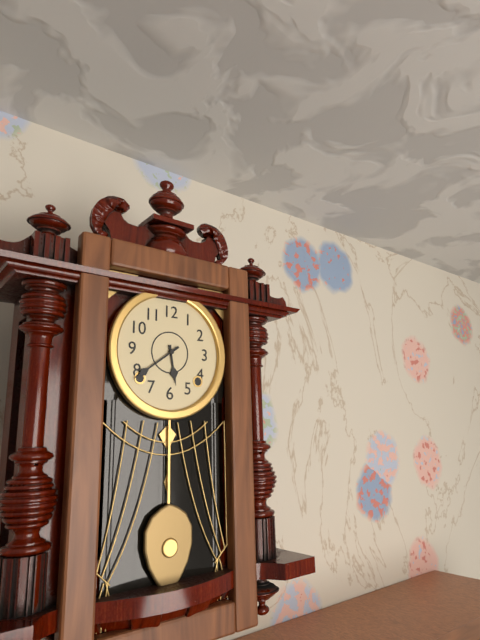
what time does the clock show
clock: 5:39
